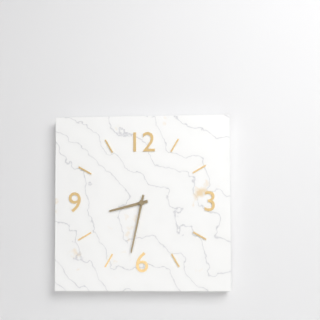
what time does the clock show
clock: 8:32
